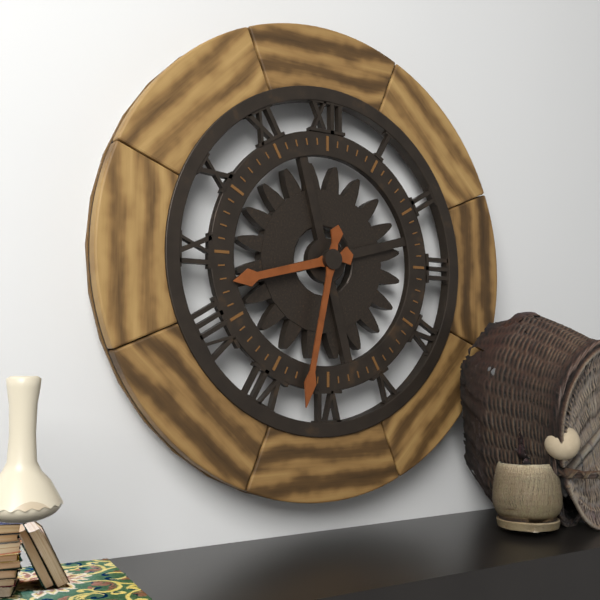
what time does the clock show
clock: 8:32
